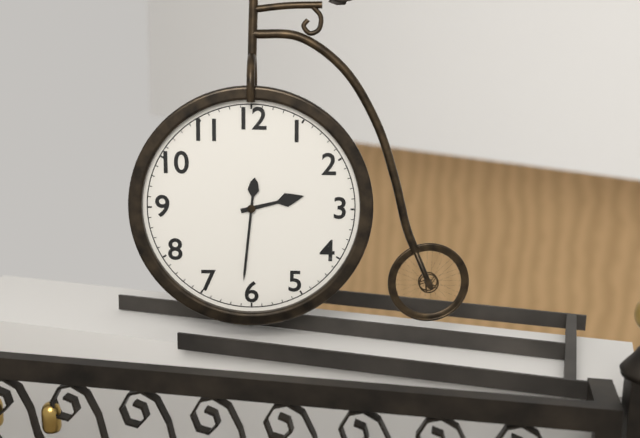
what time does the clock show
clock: 2:31
